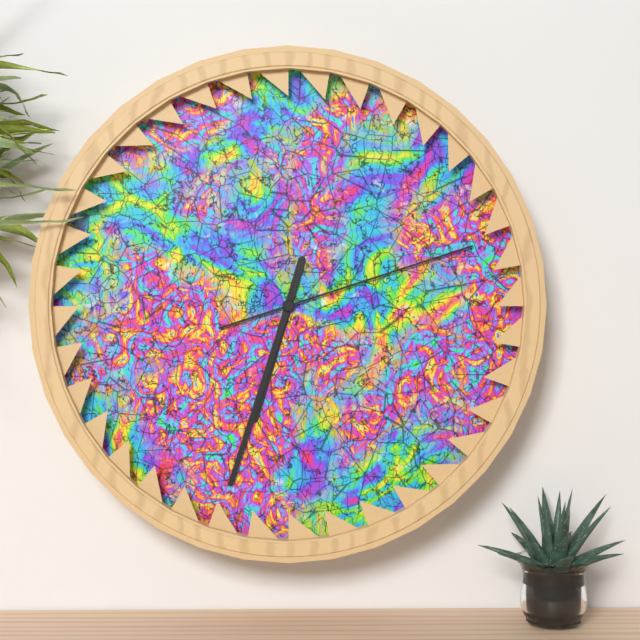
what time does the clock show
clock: 6:33:12
